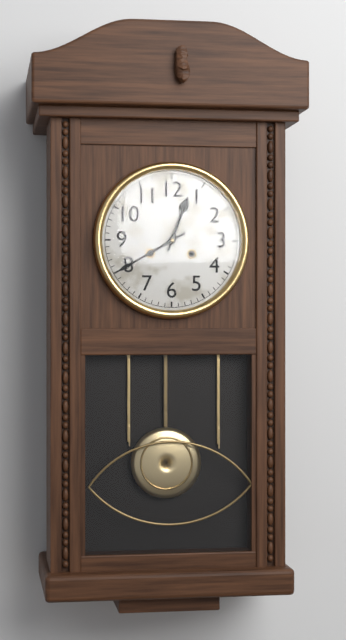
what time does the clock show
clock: 12:40
